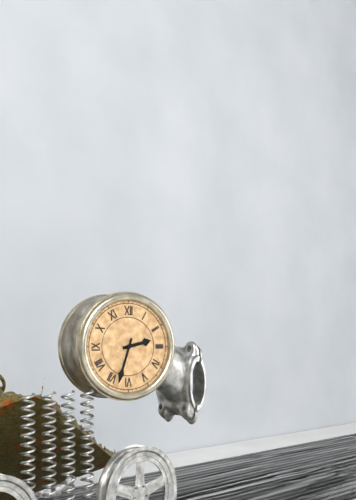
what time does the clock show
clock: 2:33
